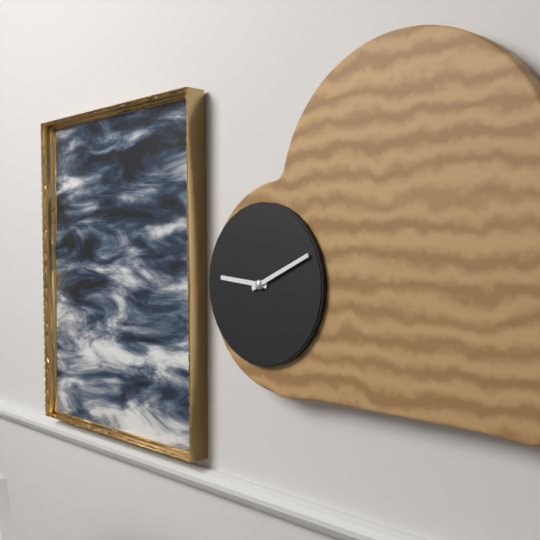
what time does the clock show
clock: 9:11
